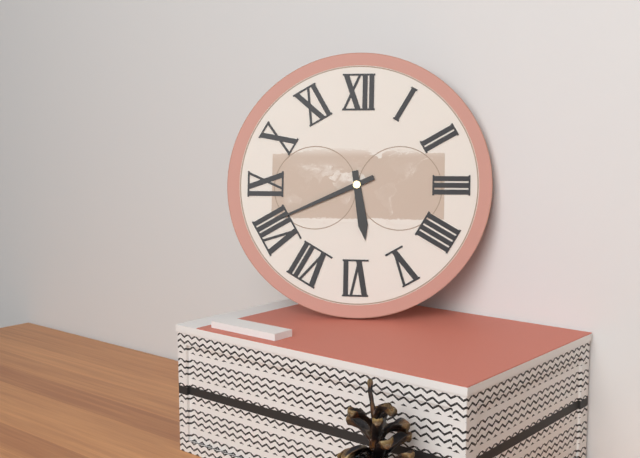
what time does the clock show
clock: 5:41
